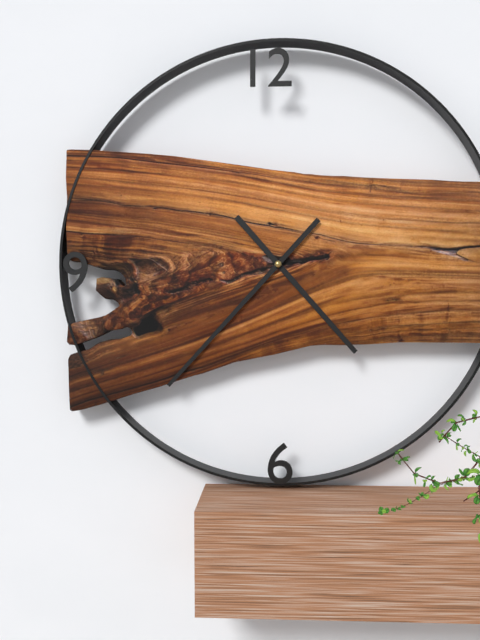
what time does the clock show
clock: 4:37
